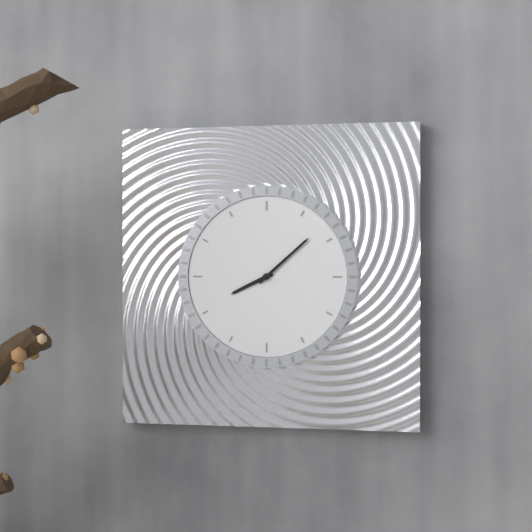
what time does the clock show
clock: 8:08
